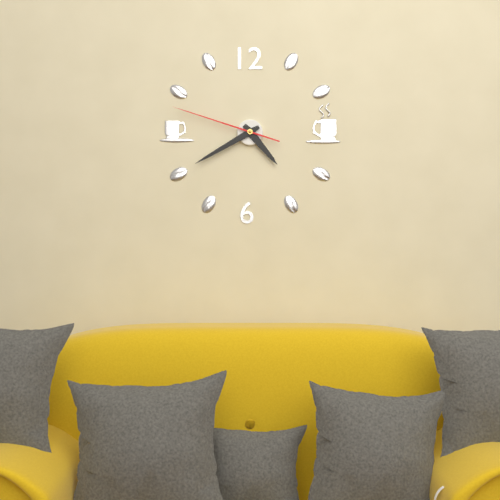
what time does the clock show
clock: 4:40:48
